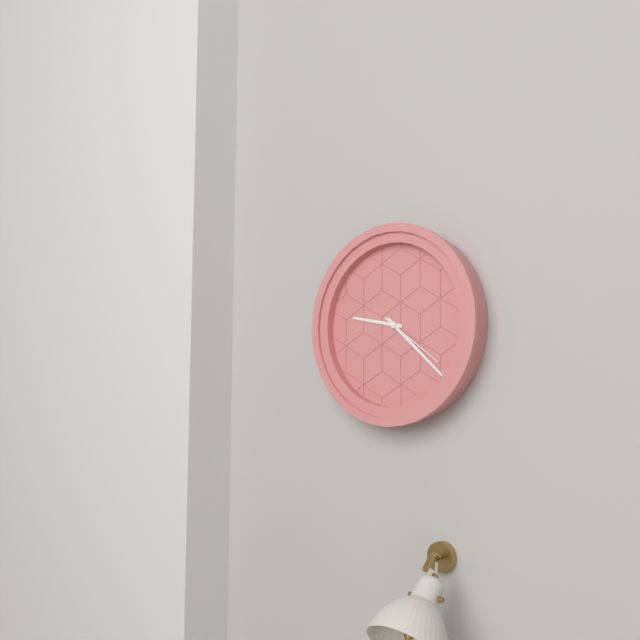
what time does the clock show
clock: 9:22:21
